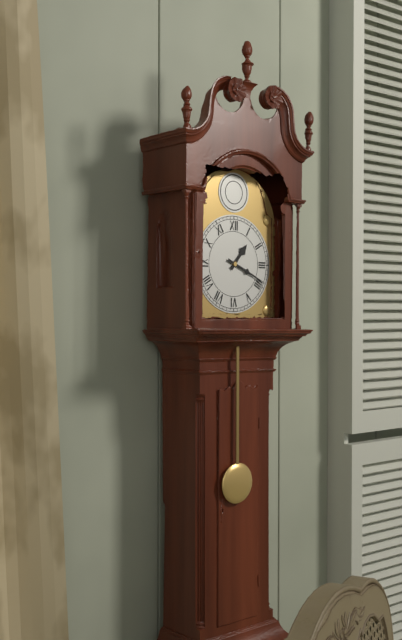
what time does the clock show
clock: 1:19
